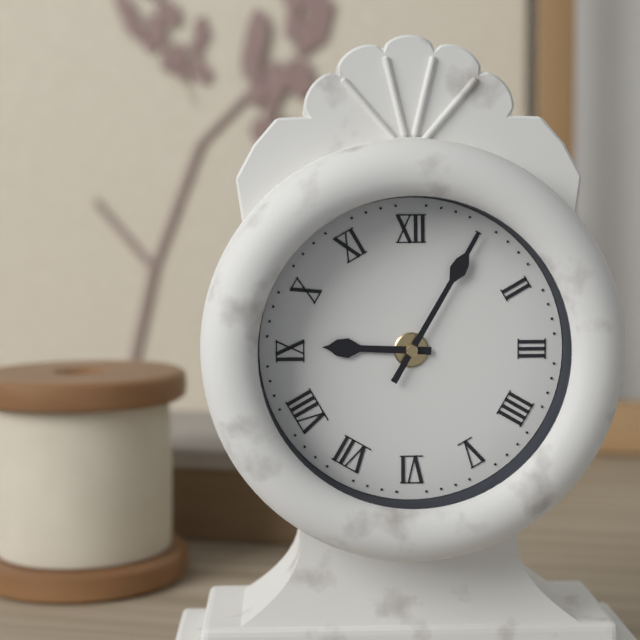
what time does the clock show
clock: 9:05
